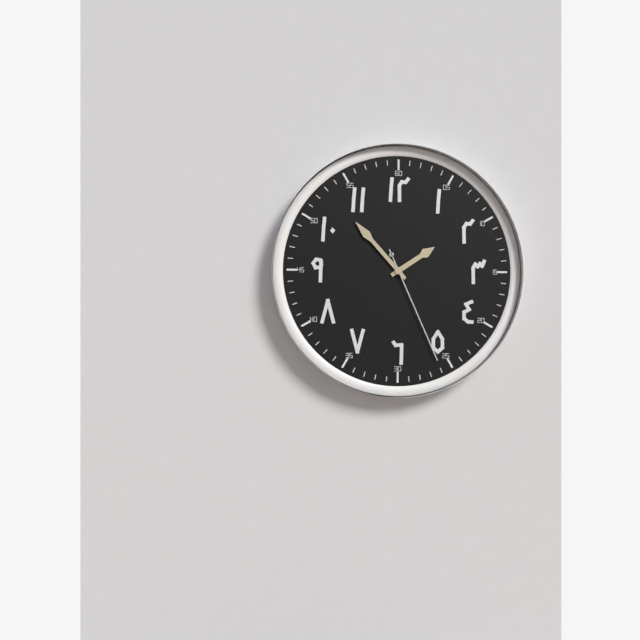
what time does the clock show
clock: 1:53:26
